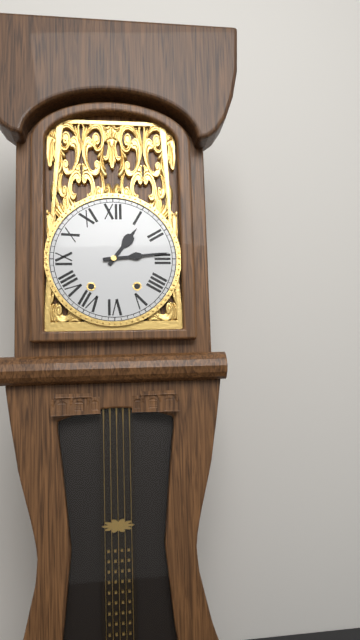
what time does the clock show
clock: 1:14
